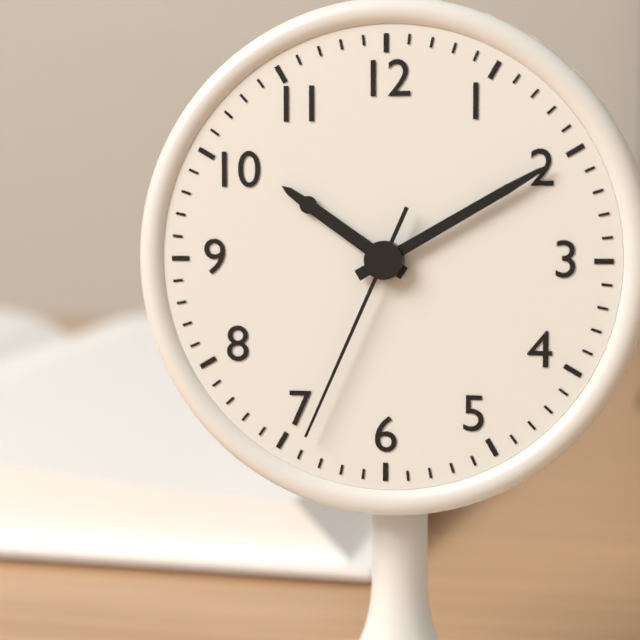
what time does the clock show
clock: 10:10:34
